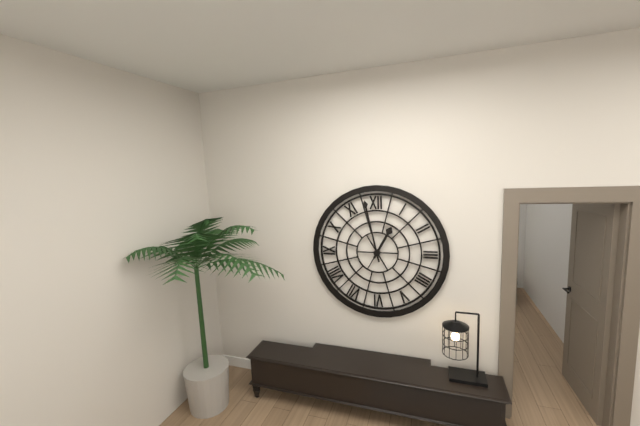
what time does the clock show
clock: 12:58
